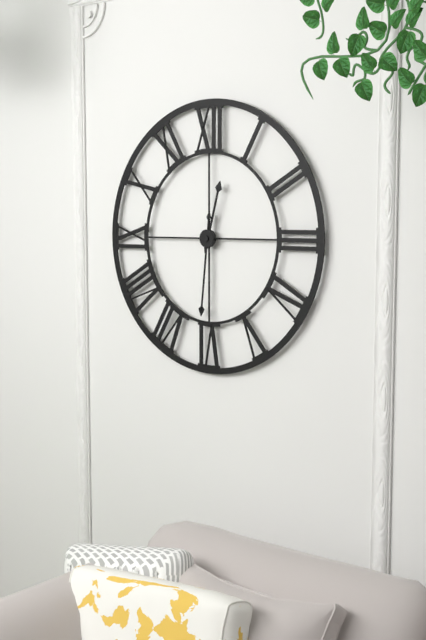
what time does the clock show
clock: 12:31
